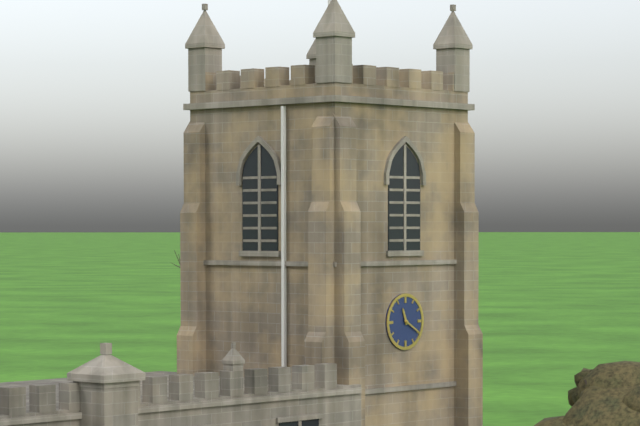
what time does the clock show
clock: 11:20
